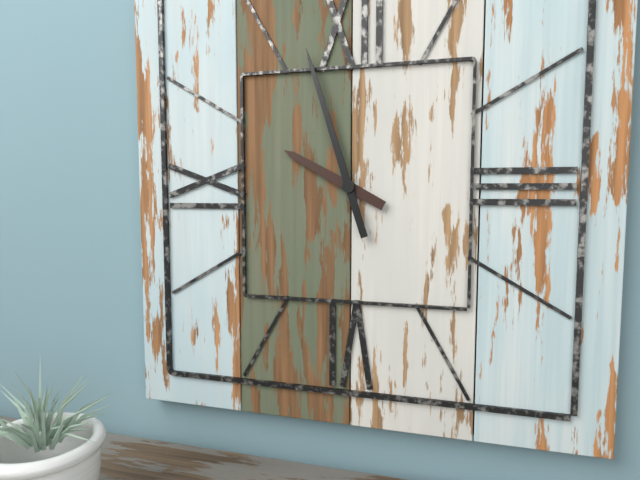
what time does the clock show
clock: 9:57
